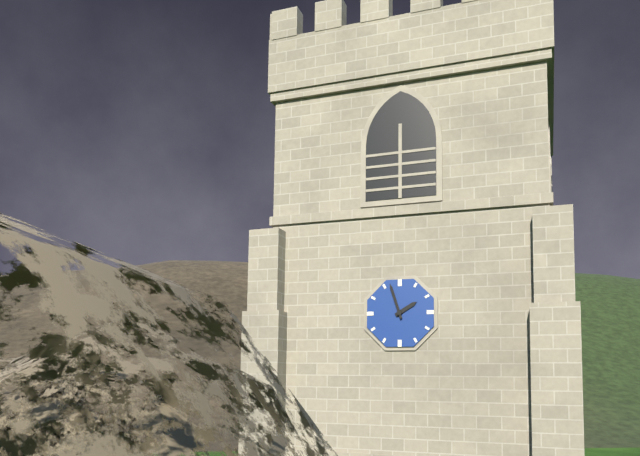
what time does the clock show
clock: 1:57
